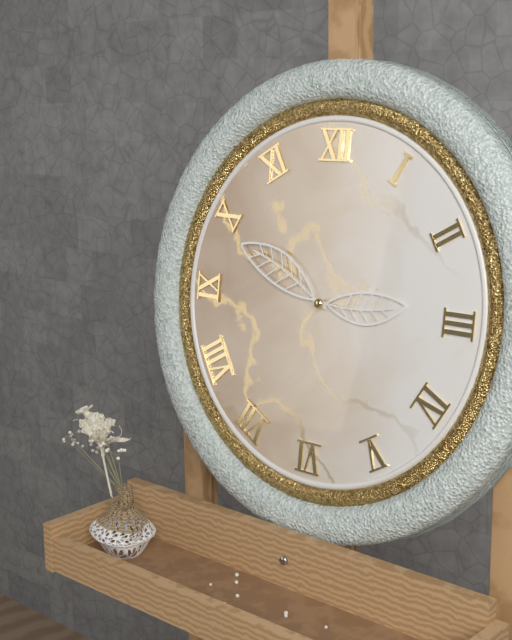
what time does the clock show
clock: 2:49
